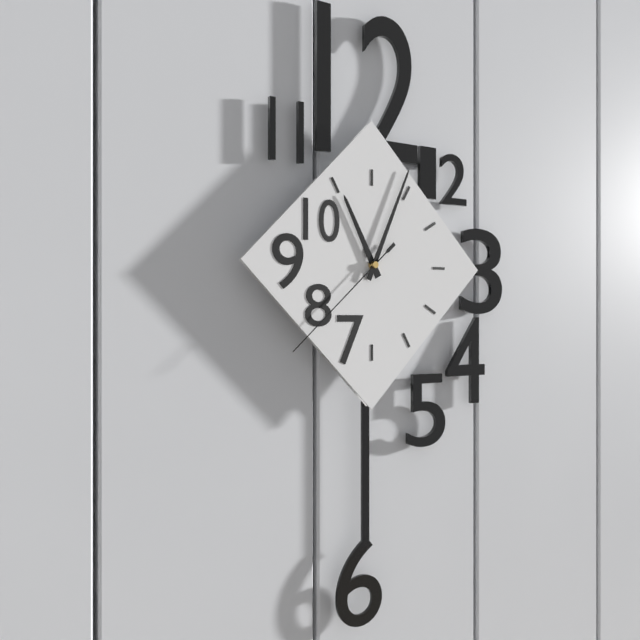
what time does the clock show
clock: 11:04:38
